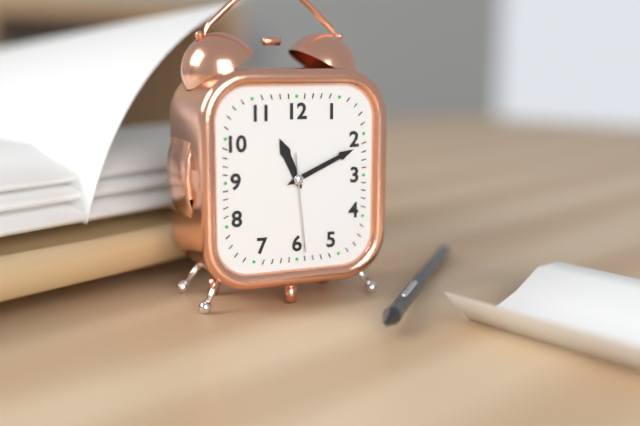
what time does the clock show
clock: 11:11:29
